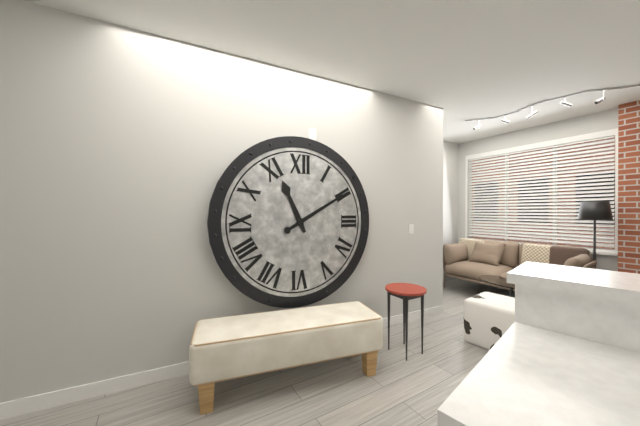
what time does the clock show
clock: 11:10
